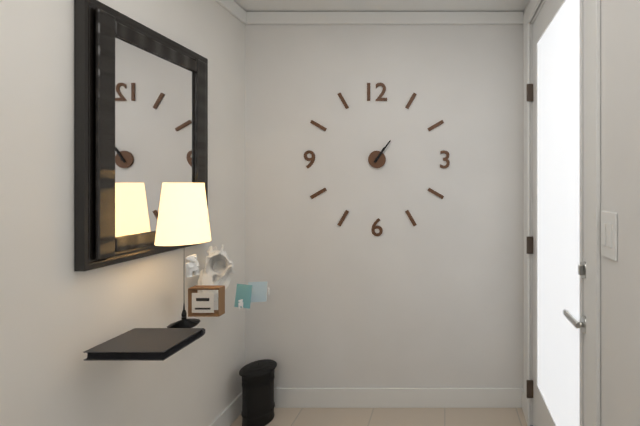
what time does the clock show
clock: 1:06
